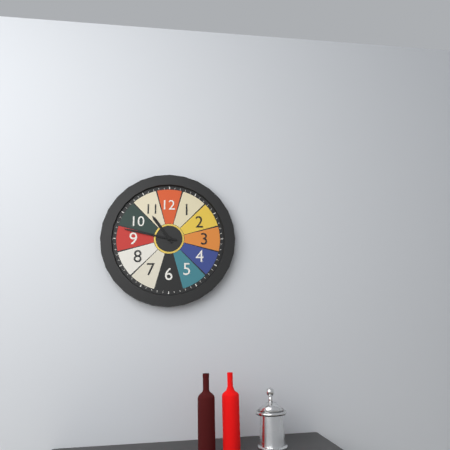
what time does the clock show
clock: 10:47
